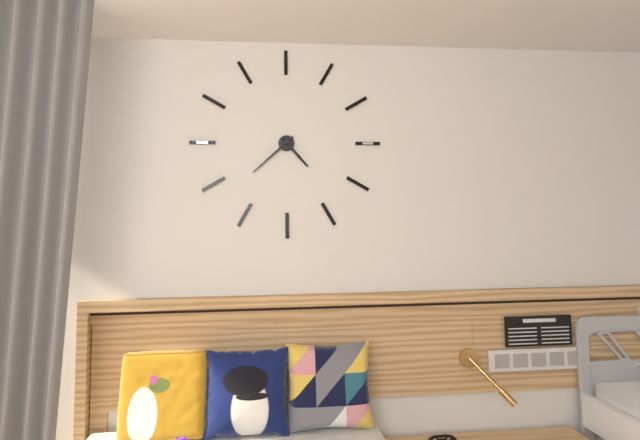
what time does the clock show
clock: 4:38
